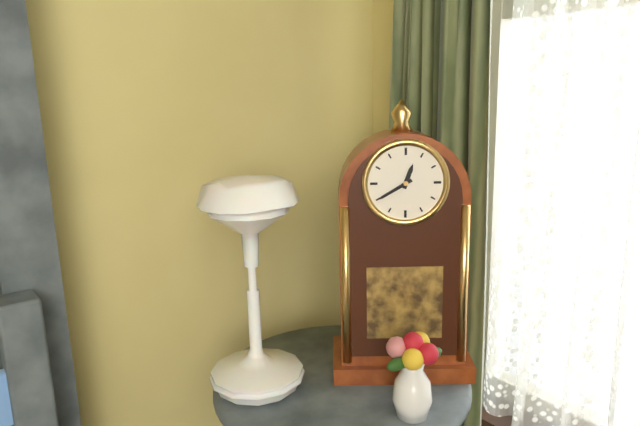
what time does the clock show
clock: 12:40
